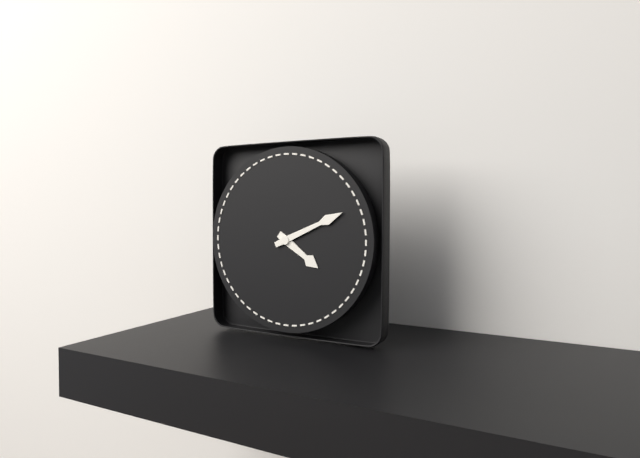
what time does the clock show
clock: 4:11
